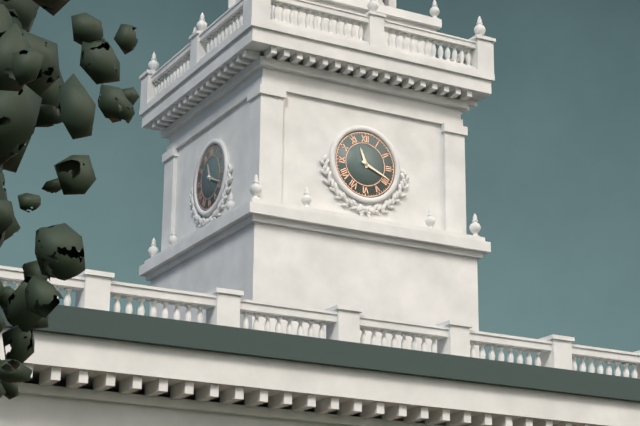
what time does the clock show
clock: 11:19
